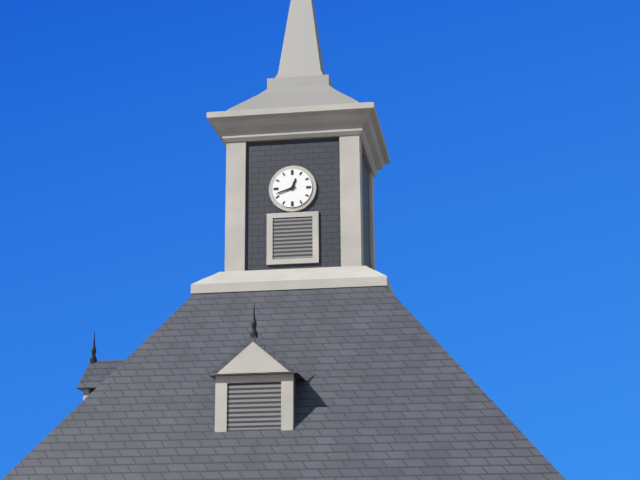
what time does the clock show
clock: 12:42
